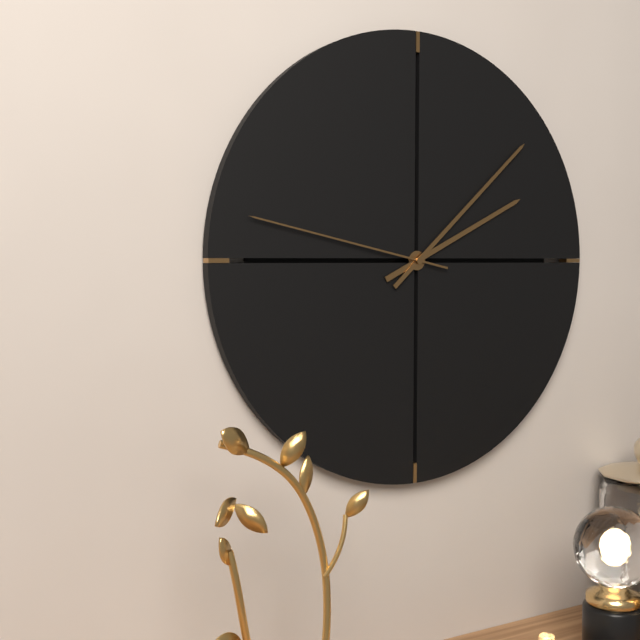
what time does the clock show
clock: 2:08:47
